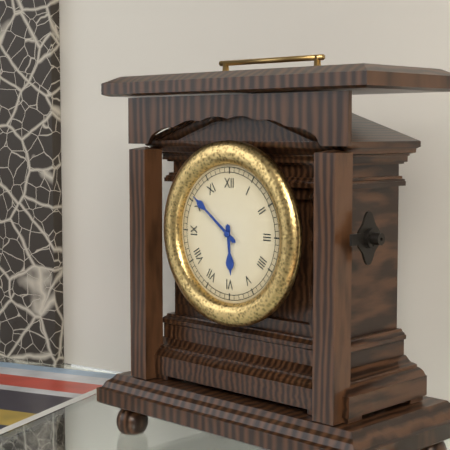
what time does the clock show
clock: 5:51
